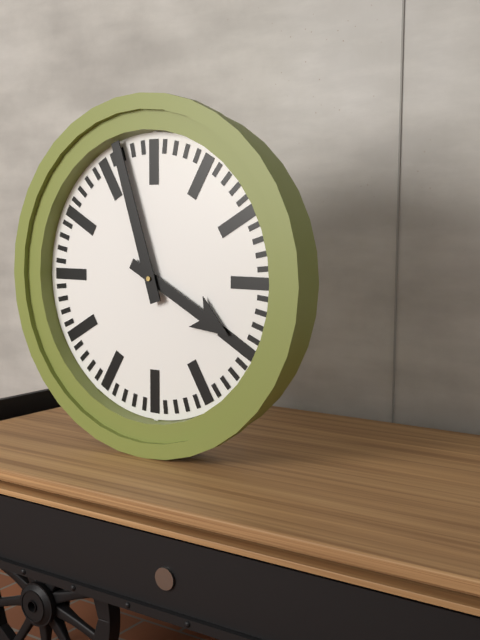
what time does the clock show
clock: 3:57
